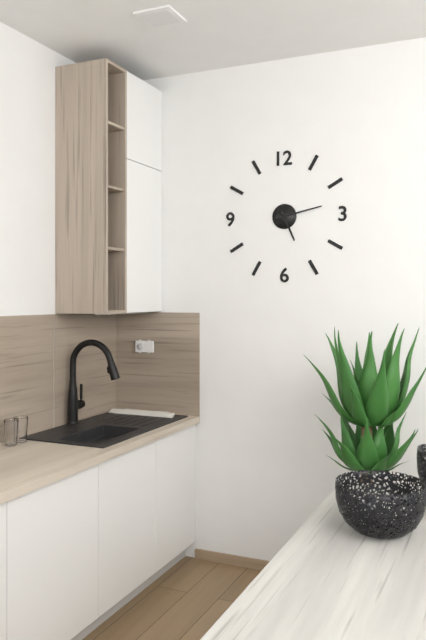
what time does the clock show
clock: 5:13
